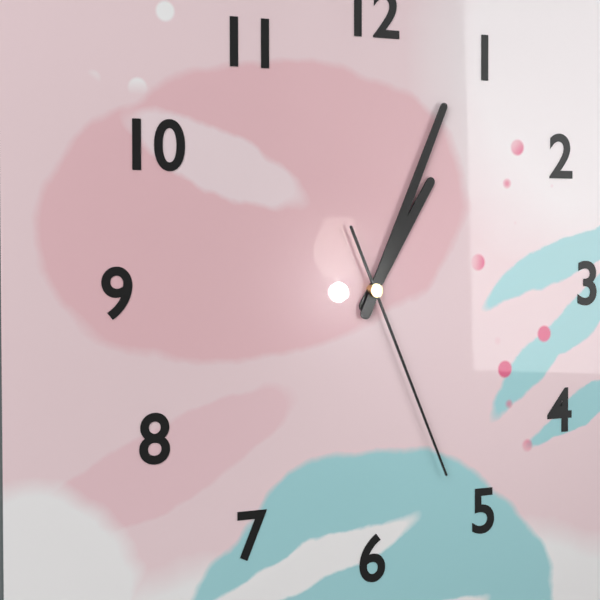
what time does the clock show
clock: 1:04:26
